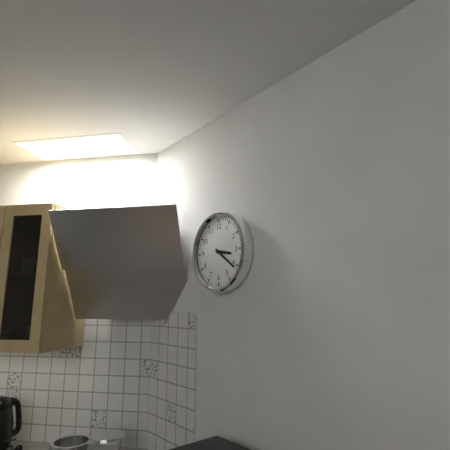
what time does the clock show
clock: 3:21
